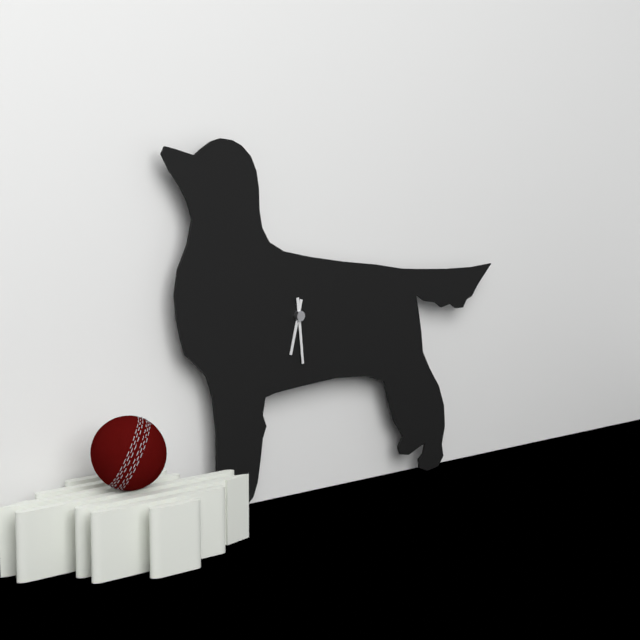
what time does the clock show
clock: 6:29
